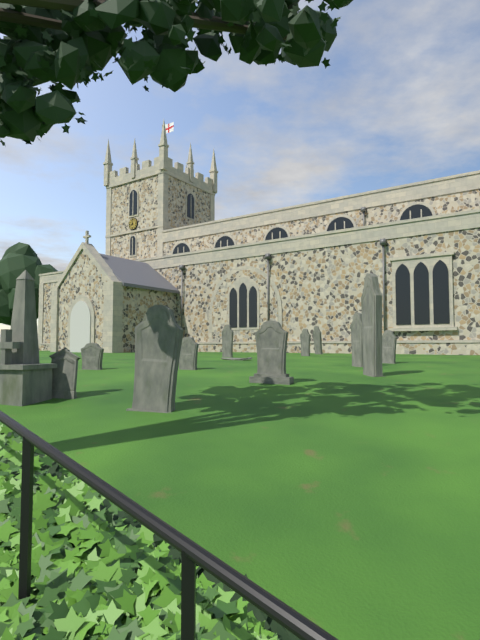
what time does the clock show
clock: 8:00
